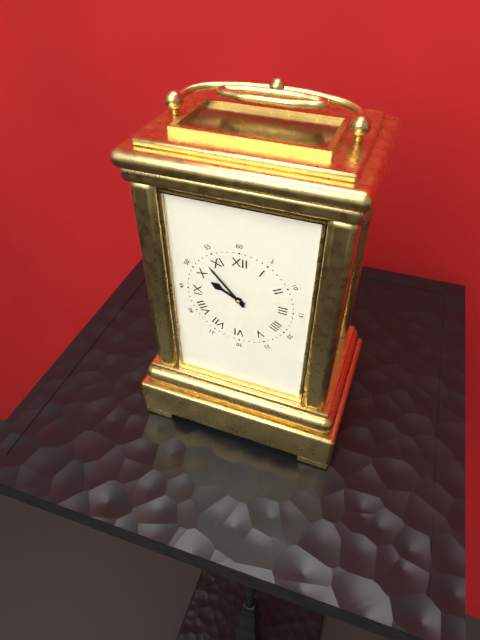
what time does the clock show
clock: 9:53
